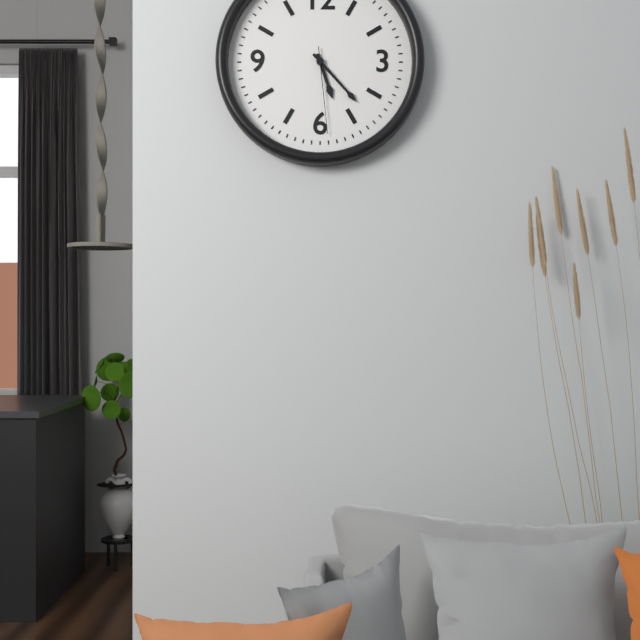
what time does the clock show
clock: 5:23:29
